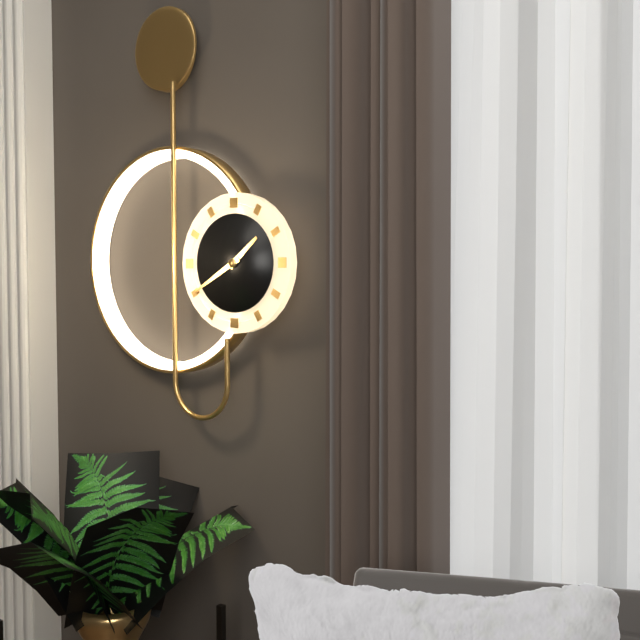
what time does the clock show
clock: 1:40
